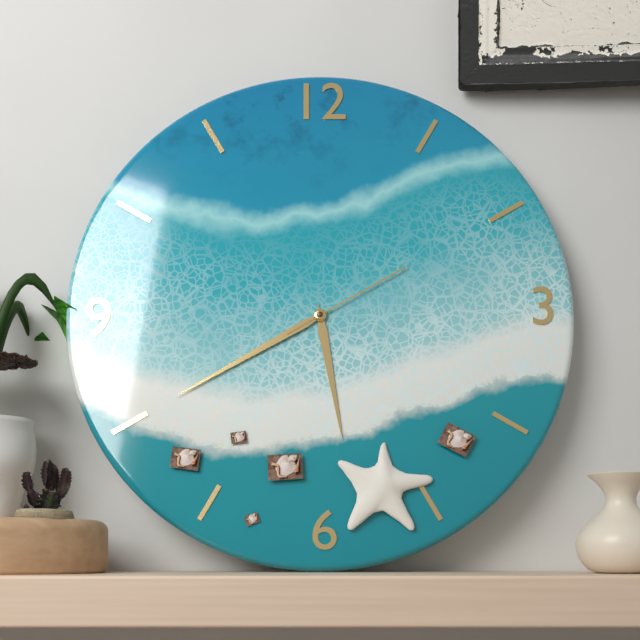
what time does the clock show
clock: 5:40:10
